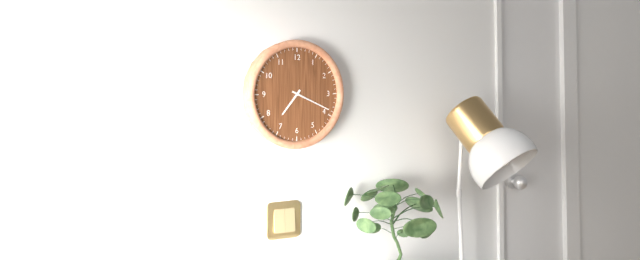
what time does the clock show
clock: 7:19
